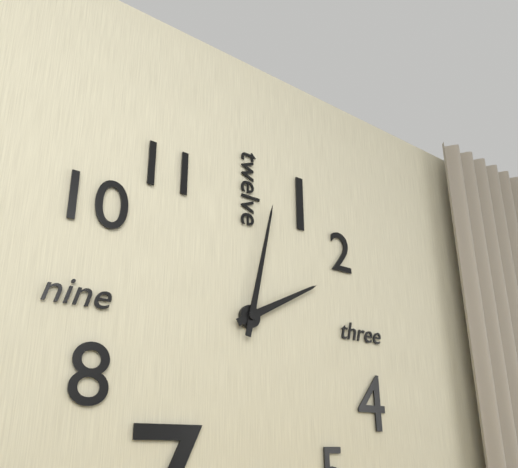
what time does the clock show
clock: 2:02
